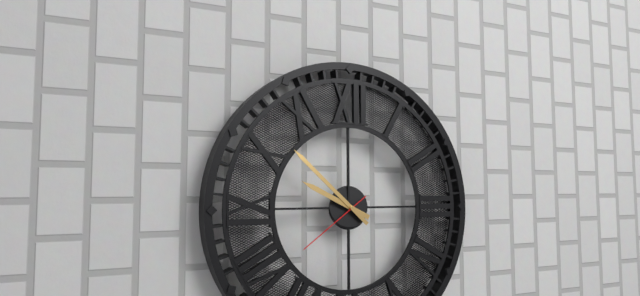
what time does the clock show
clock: 9:52:39
